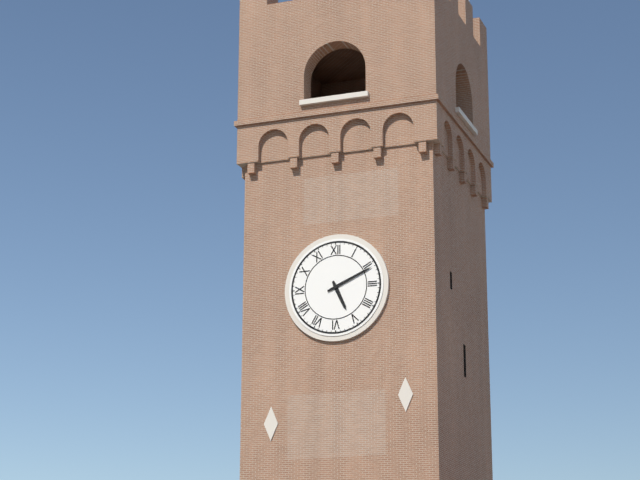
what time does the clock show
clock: 5:11
